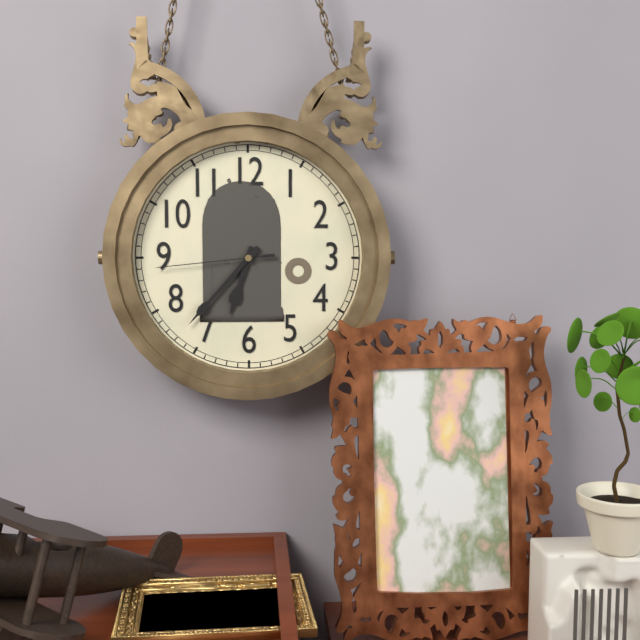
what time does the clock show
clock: 6:37:44
